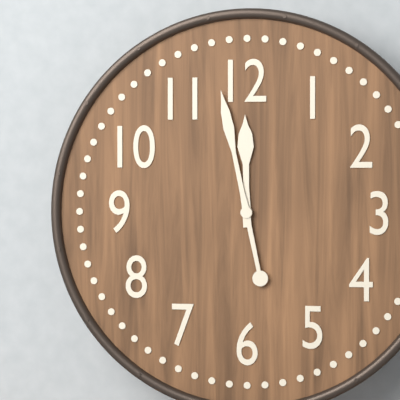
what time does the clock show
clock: 11:58
